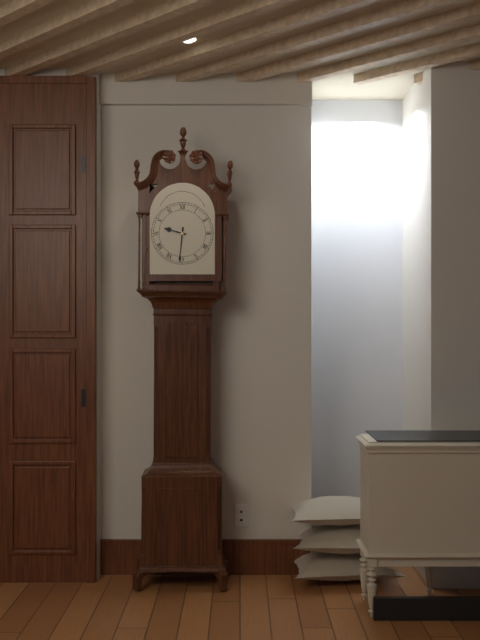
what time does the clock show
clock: 9:31
